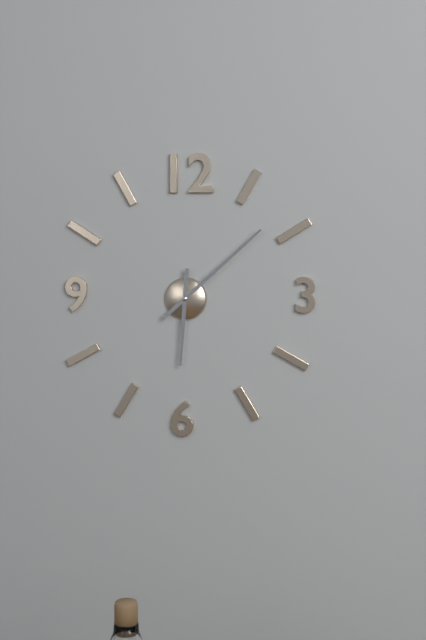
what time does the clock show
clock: 6:08
